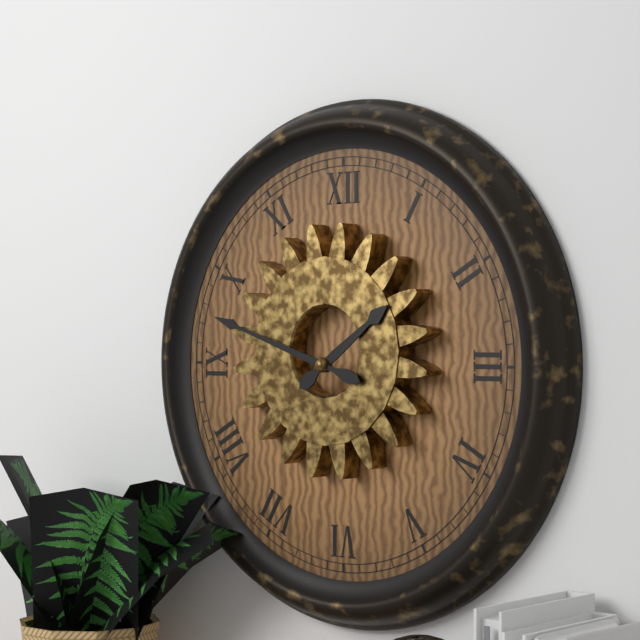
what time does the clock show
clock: 1:48
